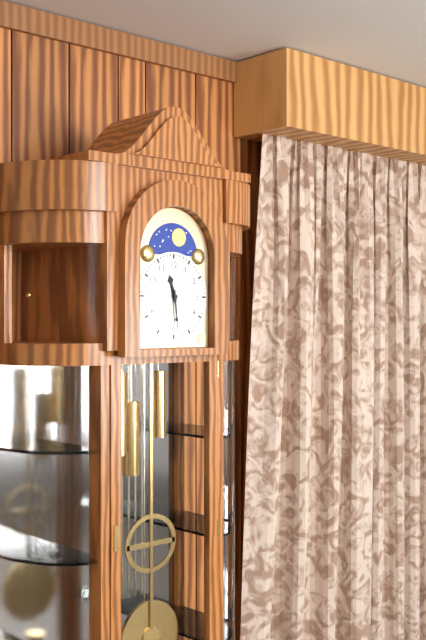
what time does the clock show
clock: 11:29
